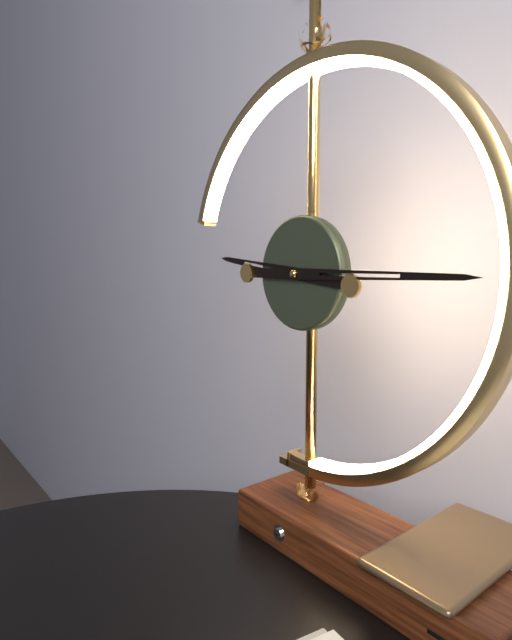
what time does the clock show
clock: 9:15
